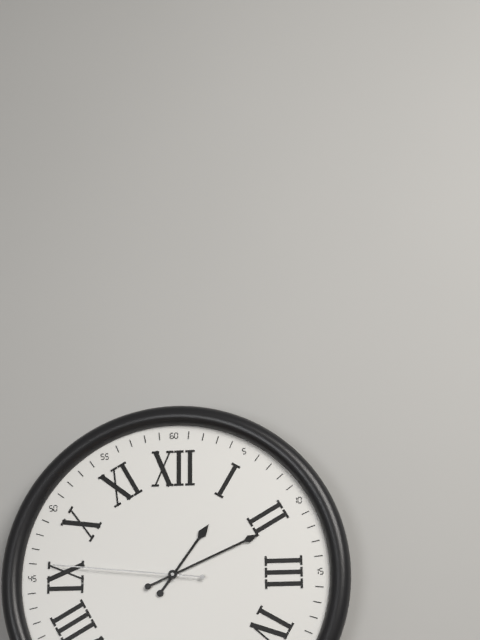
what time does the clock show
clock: 1:11:46
